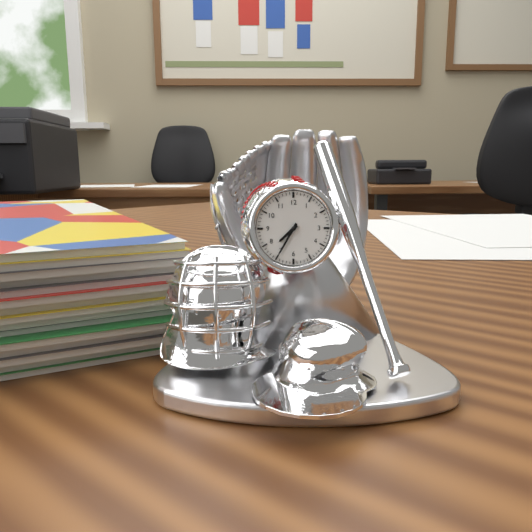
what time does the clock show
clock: 7:35
